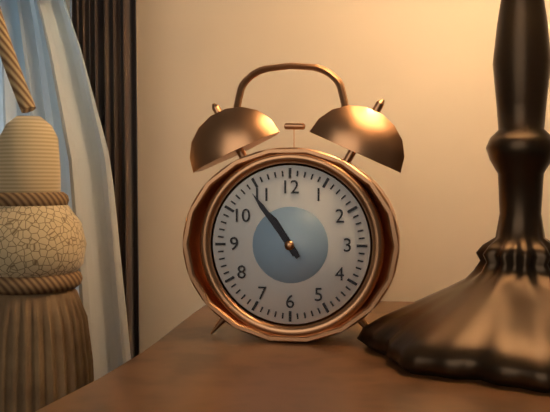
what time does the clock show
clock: 10:54
